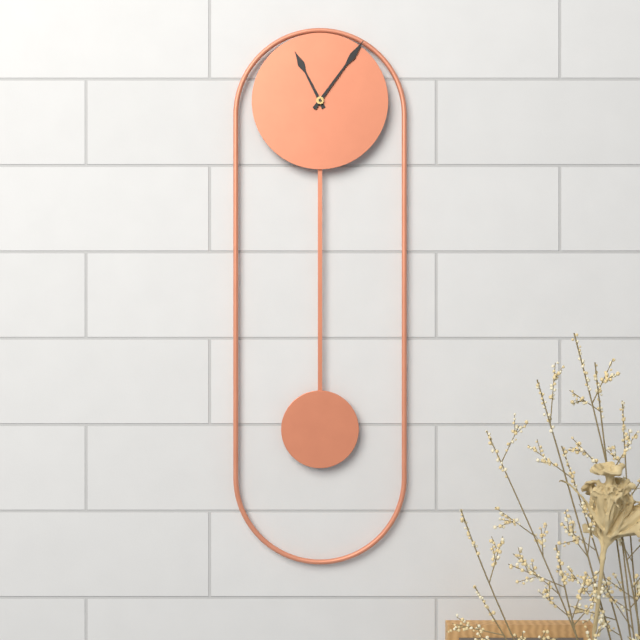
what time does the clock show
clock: 11:06
